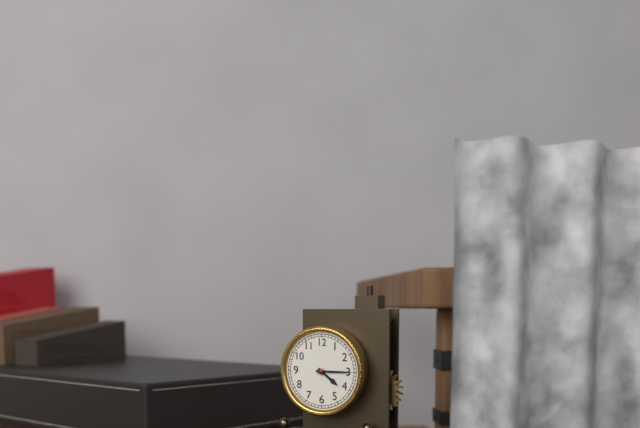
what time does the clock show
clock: 4:15
